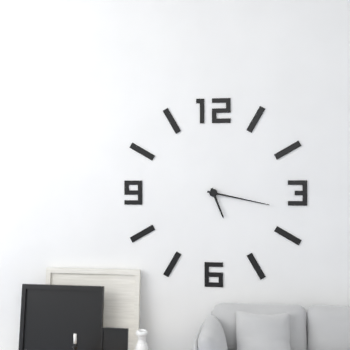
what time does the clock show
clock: 5:17
